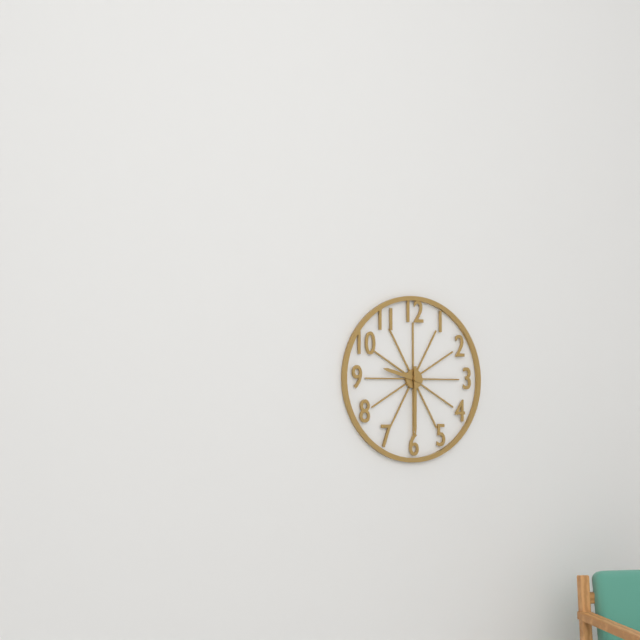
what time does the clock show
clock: 9:30
